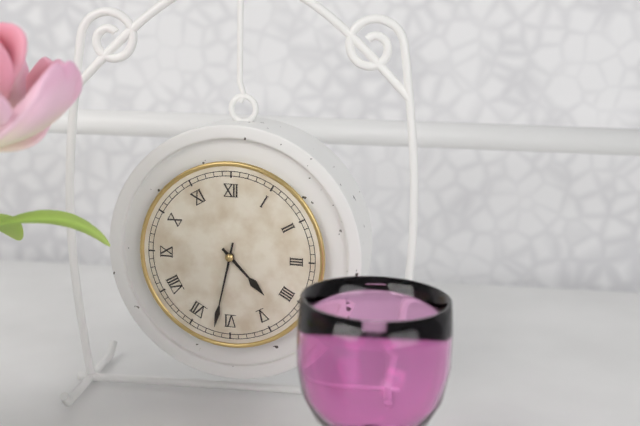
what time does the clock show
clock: 4:32
